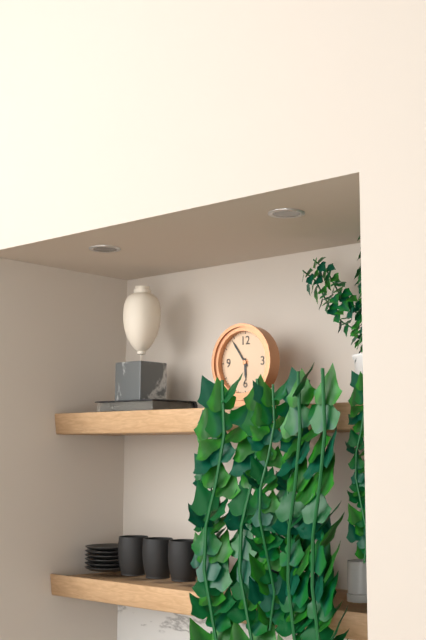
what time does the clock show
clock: 5:54
